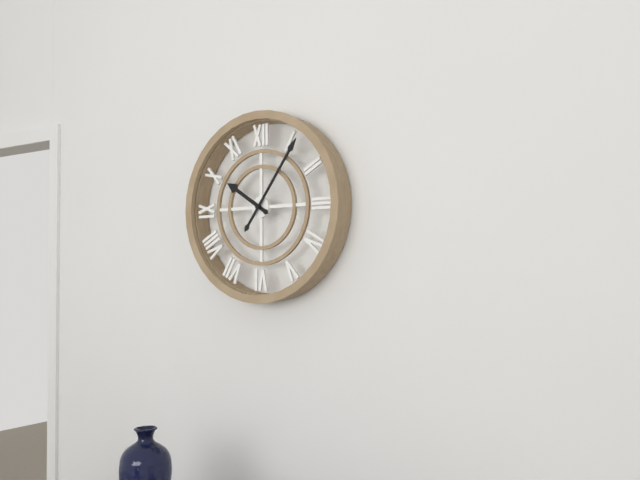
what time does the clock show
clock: 10:06
